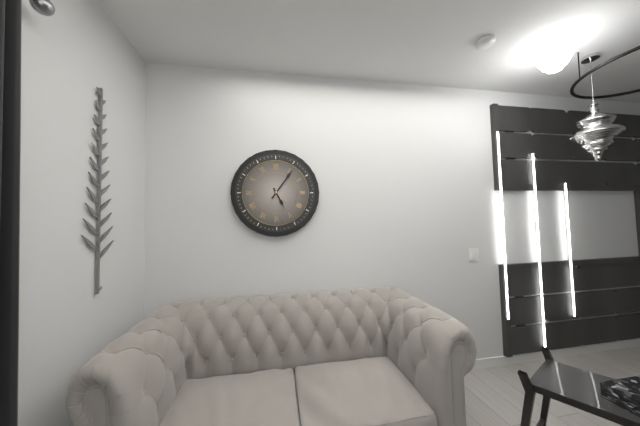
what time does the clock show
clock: 5:06
